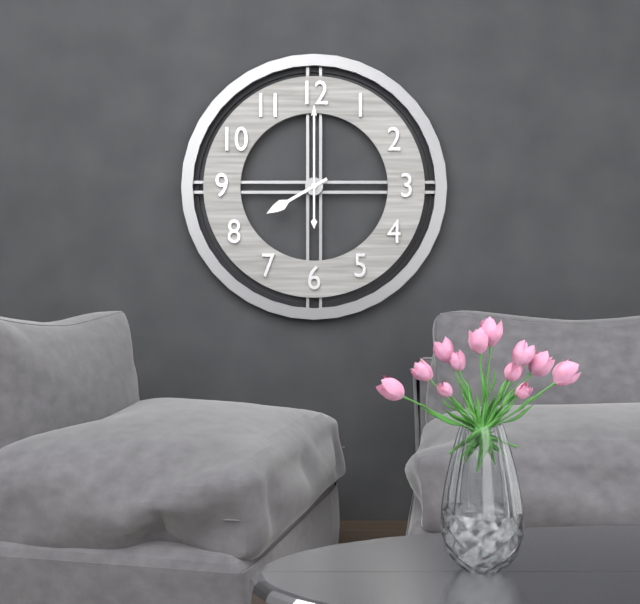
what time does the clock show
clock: 8:00
